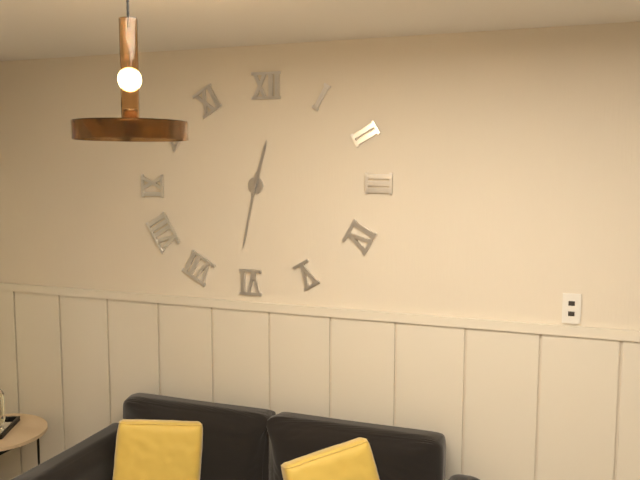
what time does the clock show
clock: 12:32
